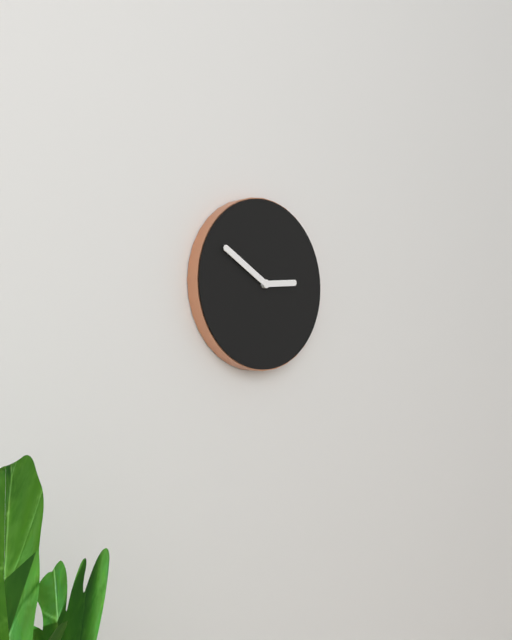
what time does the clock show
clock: 2:50
